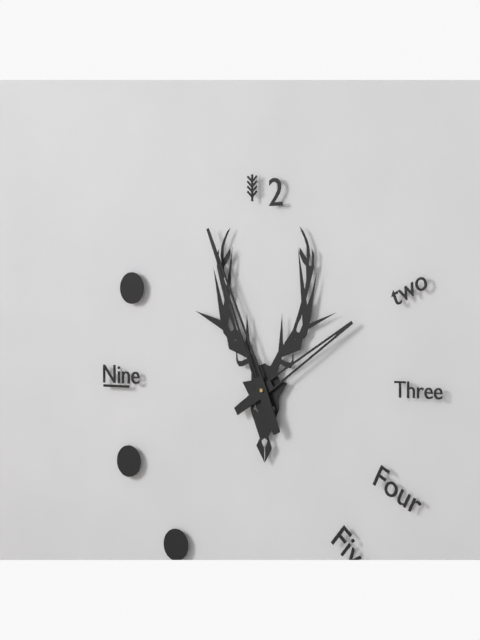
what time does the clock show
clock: 1:56
